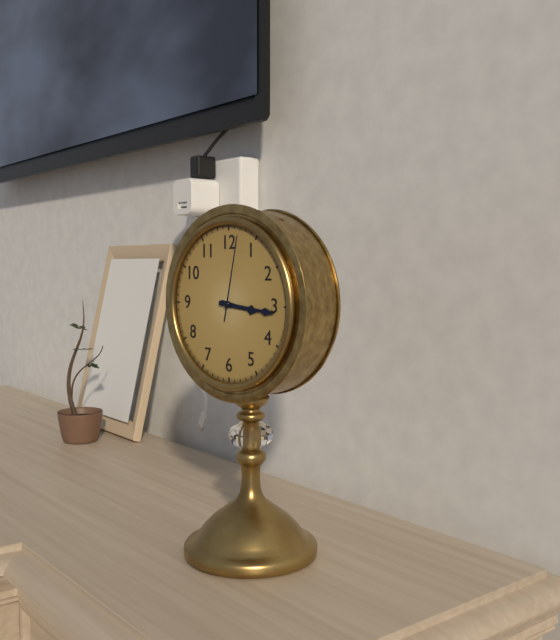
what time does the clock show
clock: 3:16:02
